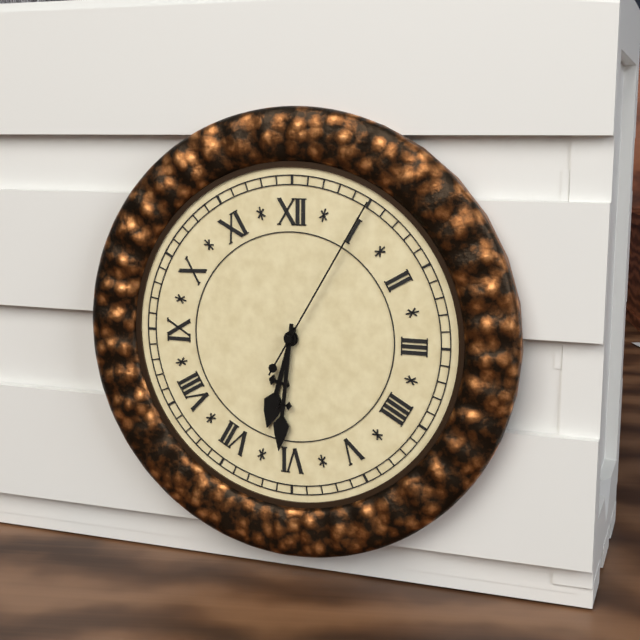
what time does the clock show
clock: 6:31:05
